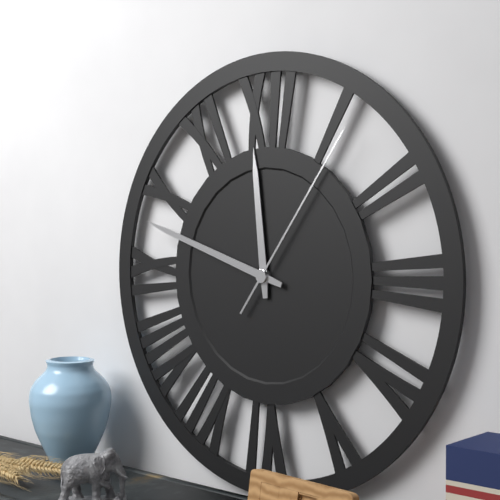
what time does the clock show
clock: 11:48:06
